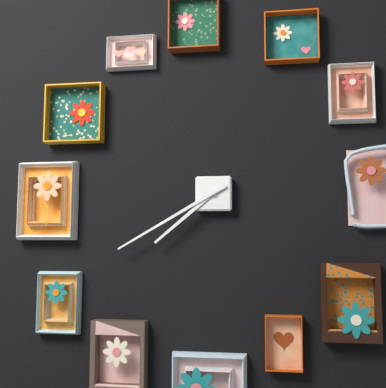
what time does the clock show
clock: 7:40
